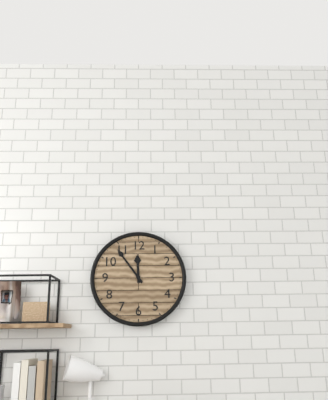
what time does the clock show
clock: 11:54
